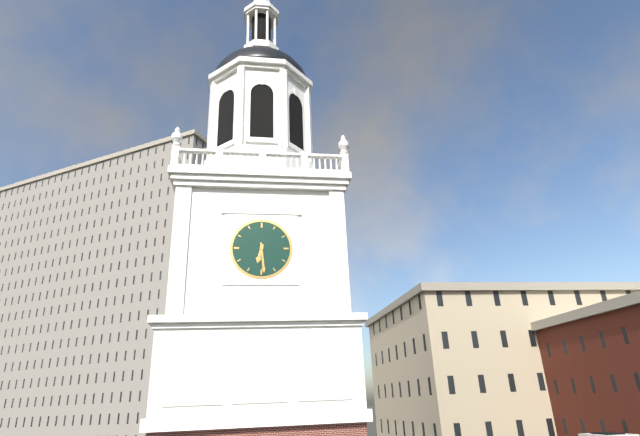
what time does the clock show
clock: 6:29
